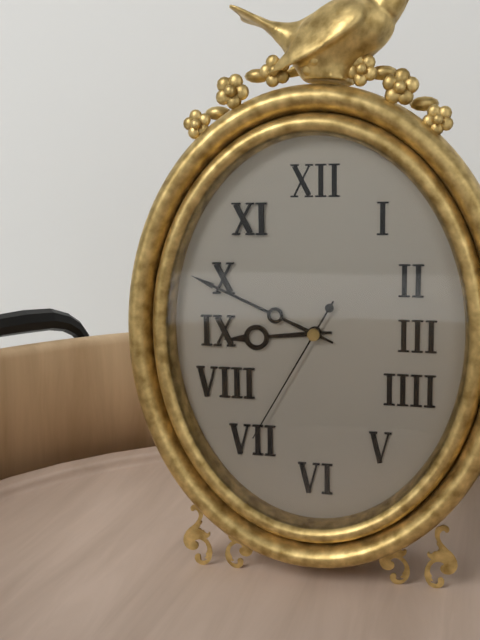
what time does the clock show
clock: 8:49:35
